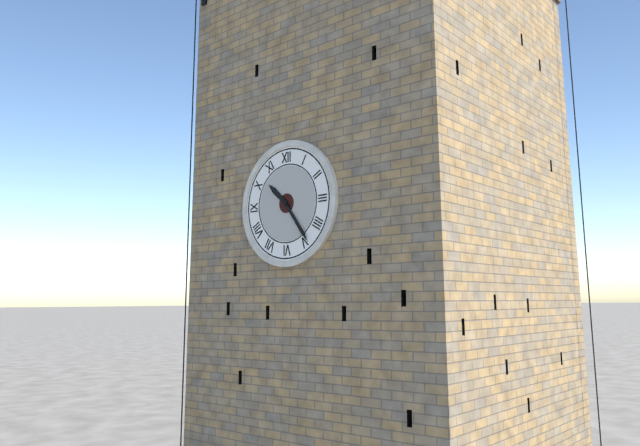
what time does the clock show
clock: 10:24
